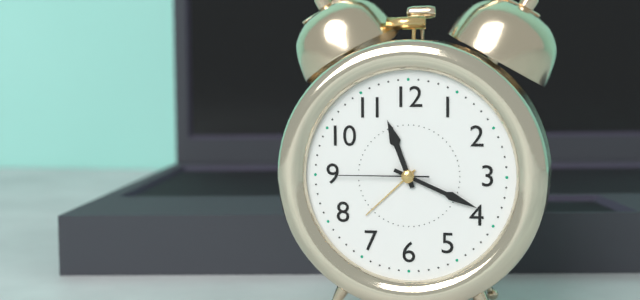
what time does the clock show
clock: 11:19:45
